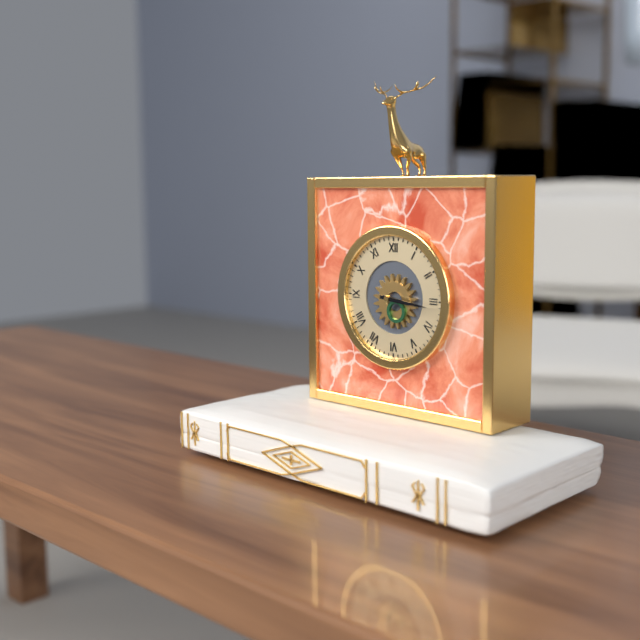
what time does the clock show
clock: 3:16
